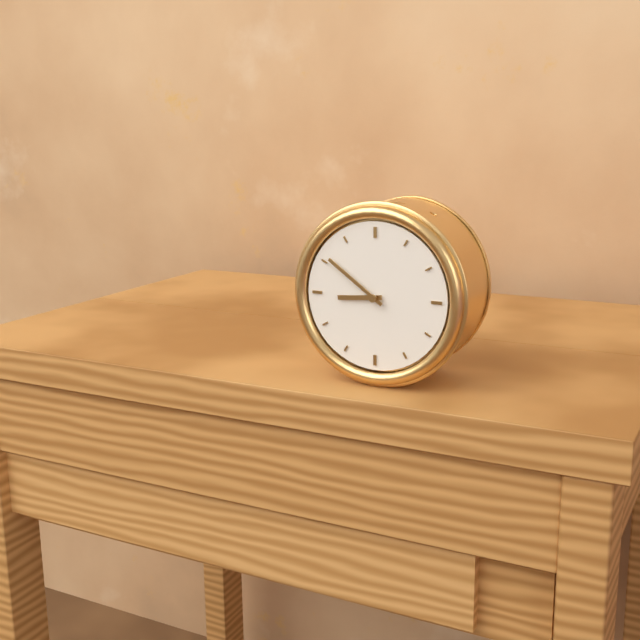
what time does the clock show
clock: 8:51
